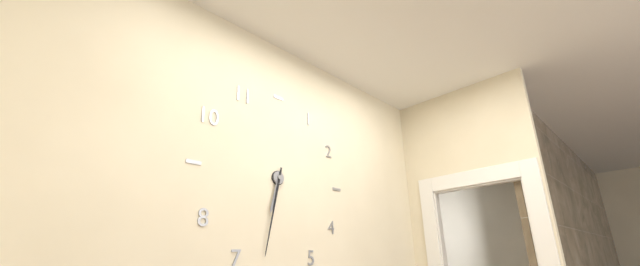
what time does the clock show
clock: 6:32
